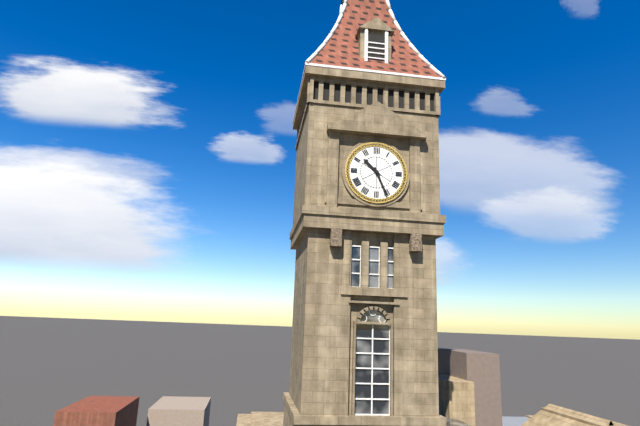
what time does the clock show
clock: 10:26
